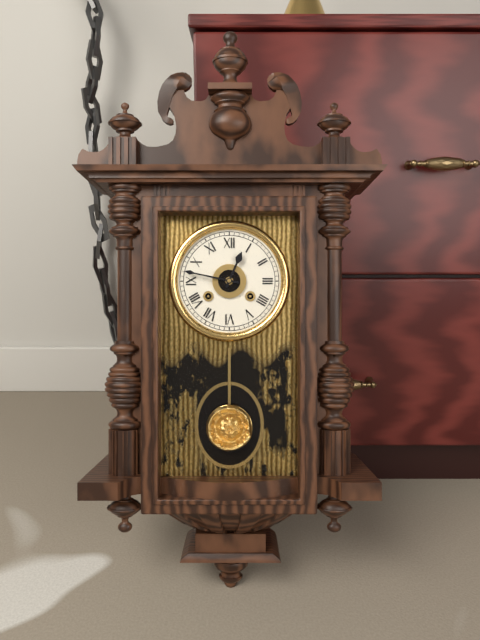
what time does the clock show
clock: 12:47
